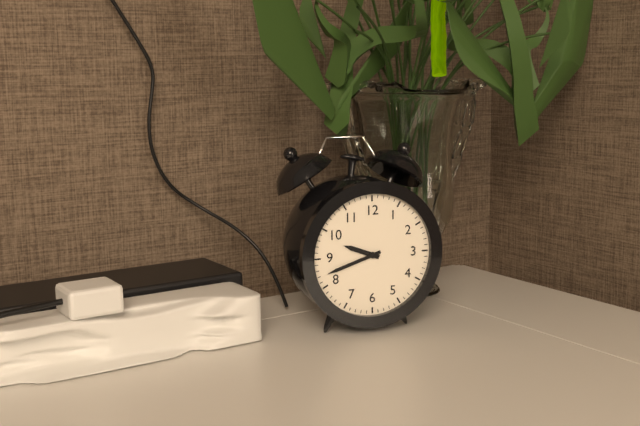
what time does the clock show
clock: 9:42
